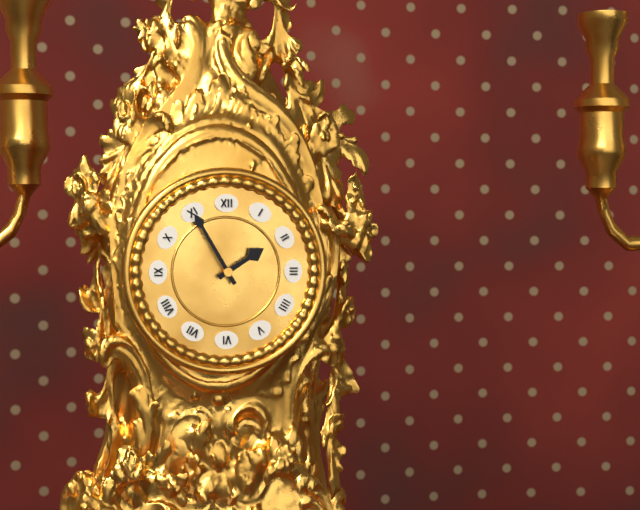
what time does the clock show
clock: 1:55
